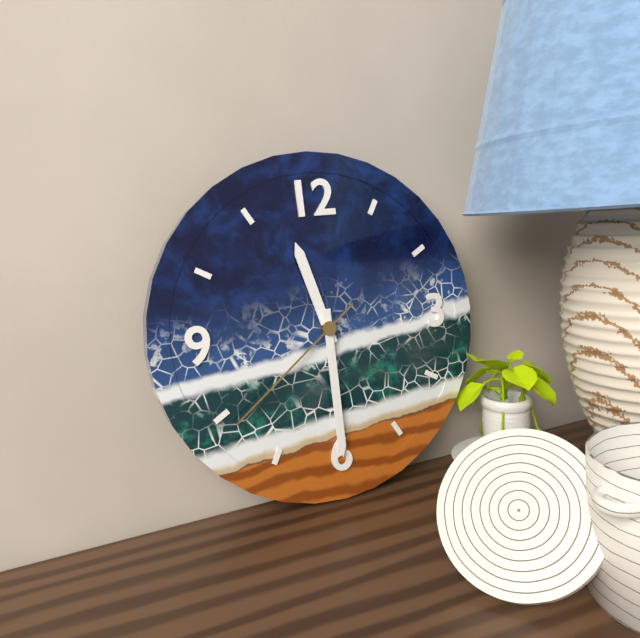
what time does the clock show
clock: 11:30:39
